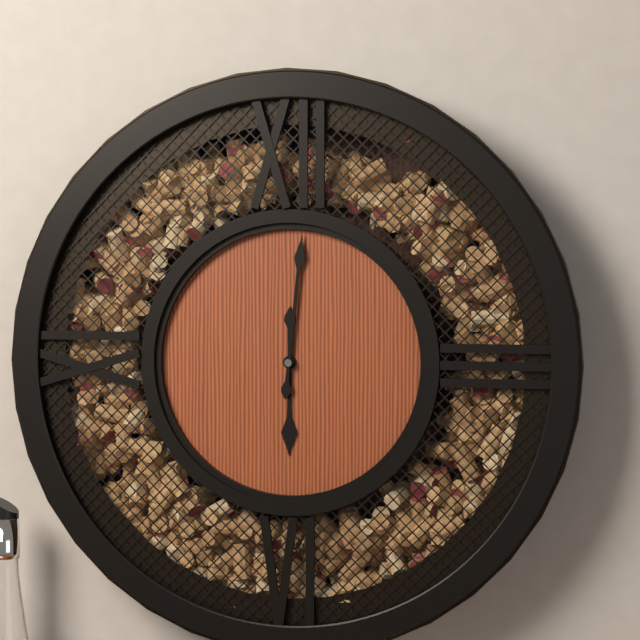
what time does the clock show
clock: 6:01
